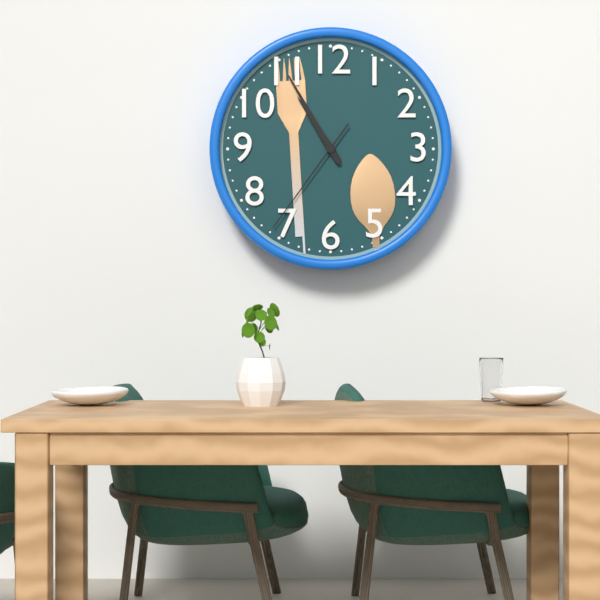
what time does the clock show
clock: 10:55:36
